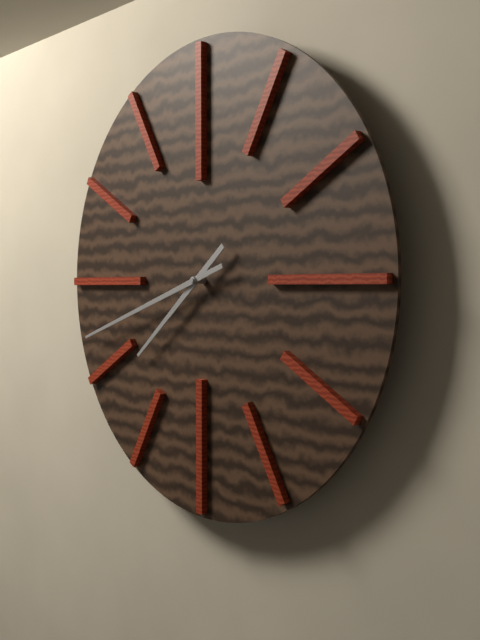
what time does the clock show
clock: 7:42
